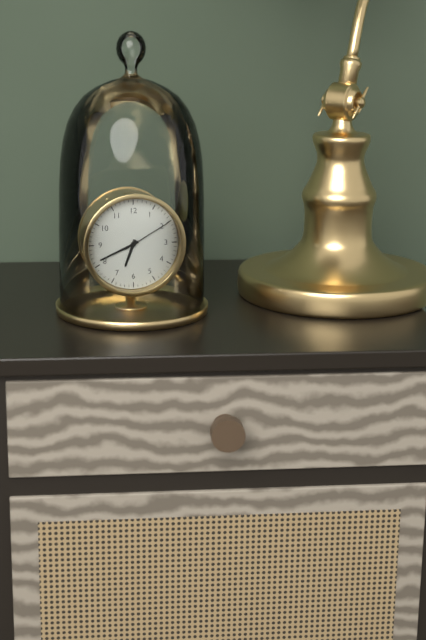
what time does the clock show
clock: 6:41:10
